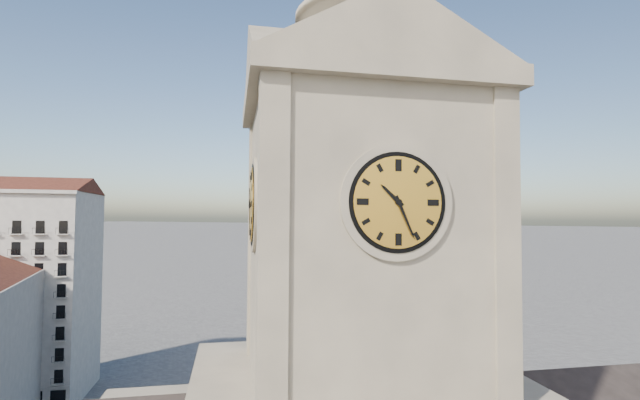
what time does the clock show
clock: 10:26
